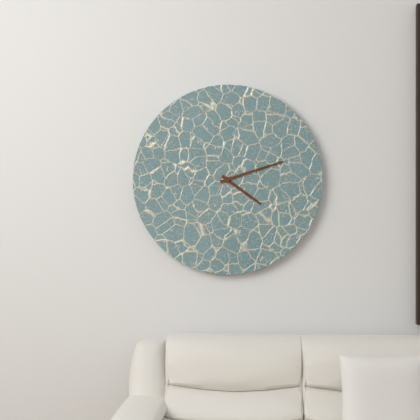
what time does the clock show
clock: 4:12
